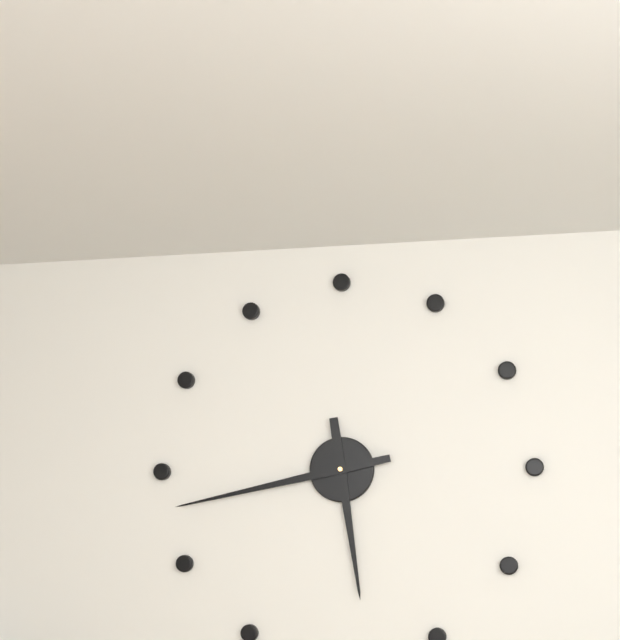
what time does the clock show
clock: 5:43
